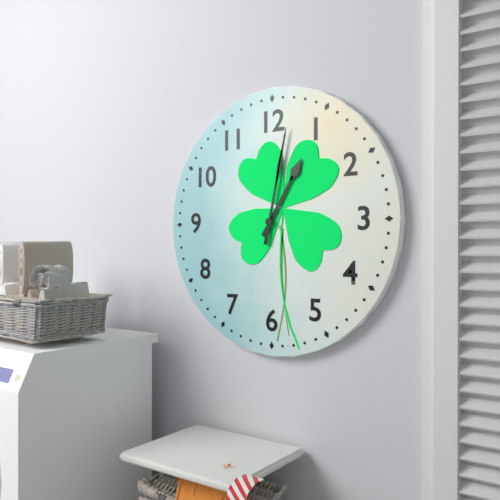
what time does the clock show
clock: 1:02
